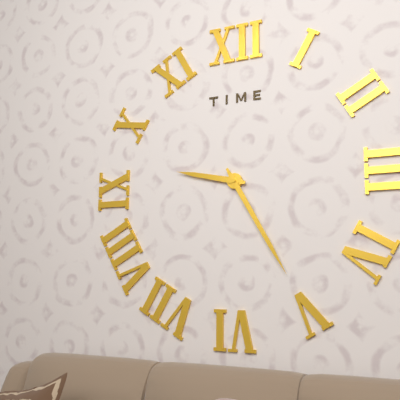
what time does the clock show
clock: 9:25
